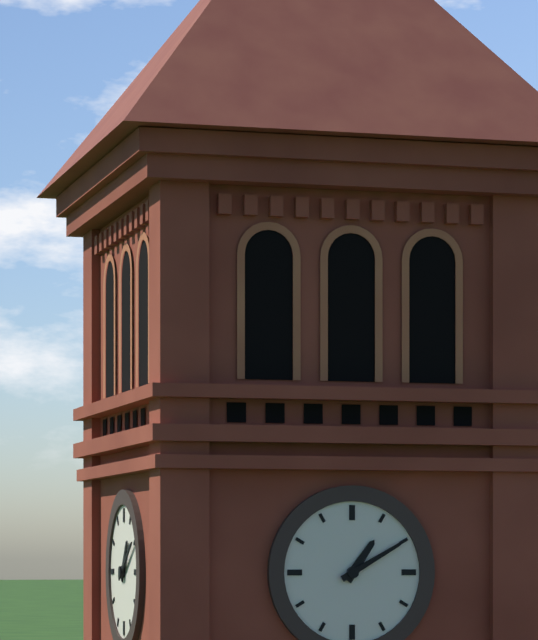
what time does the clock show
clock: 1:10
